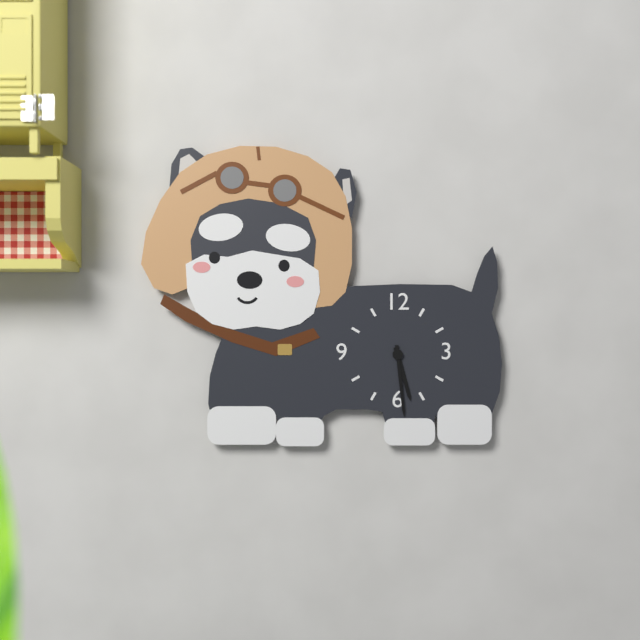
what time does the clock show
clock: 5:29
